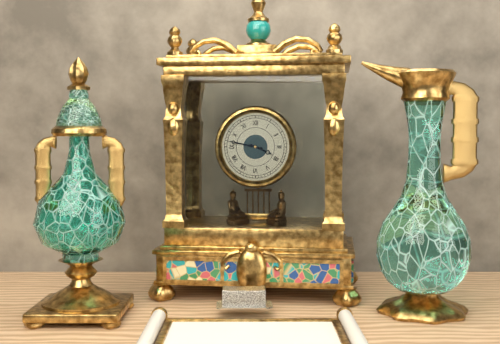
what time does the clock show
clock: 3:47
